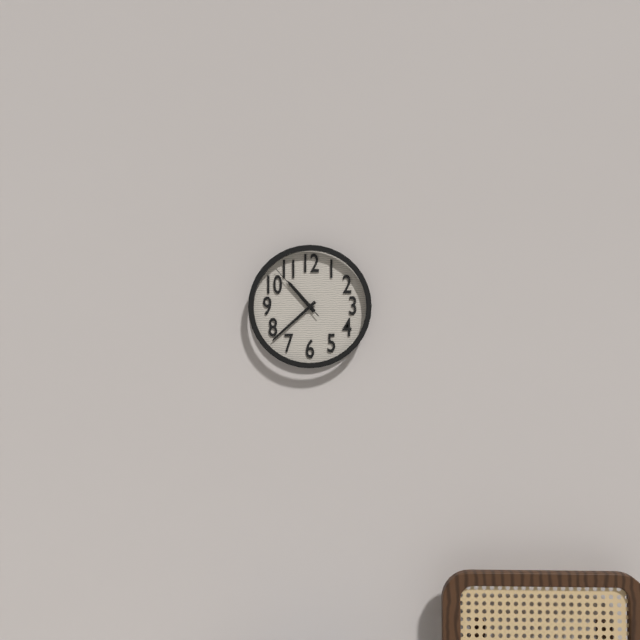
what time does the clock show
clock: 10:38:53
